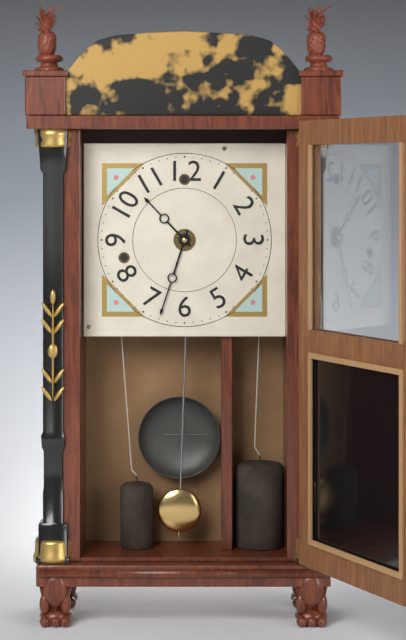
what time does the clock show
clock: 10:33
